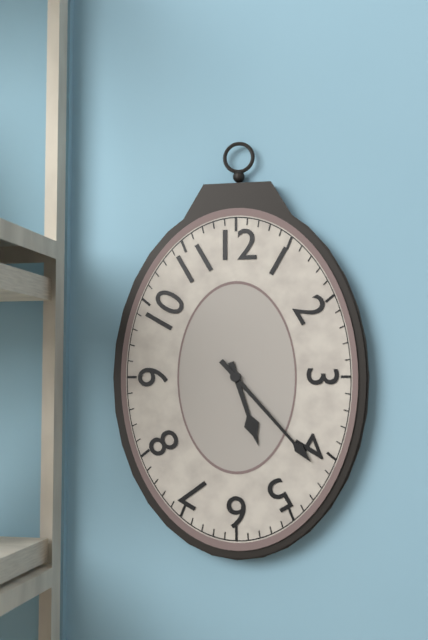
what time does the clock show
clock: 5:23
